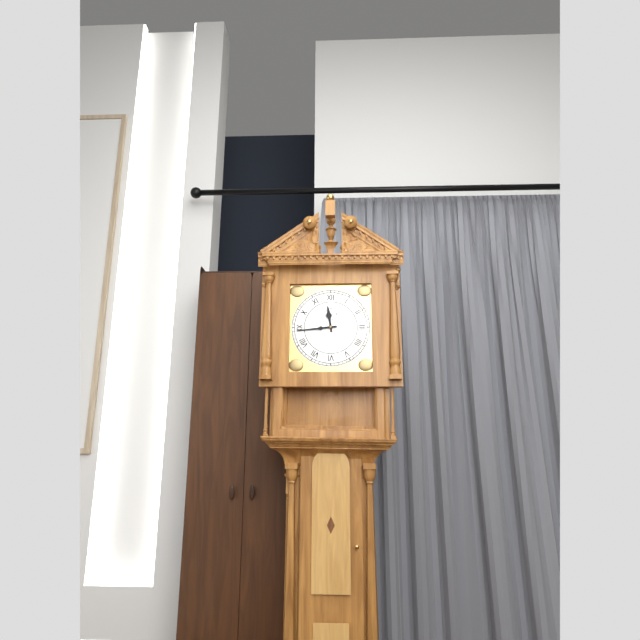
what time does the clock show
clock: 11:44
